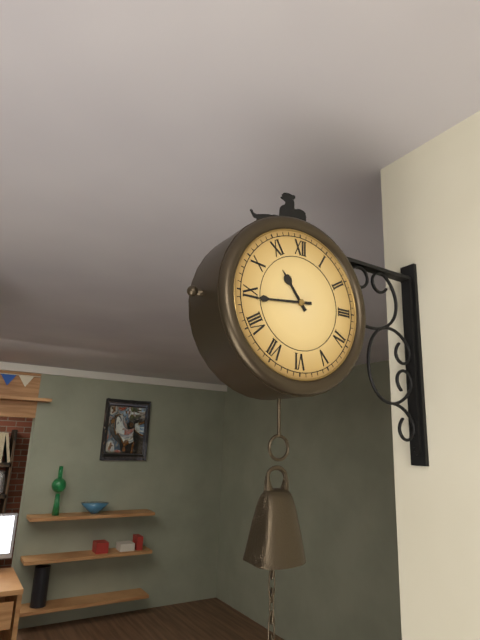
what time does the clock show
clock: 10:44
